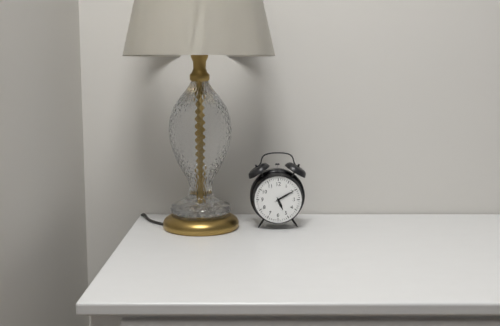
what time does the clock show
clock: 5:10
